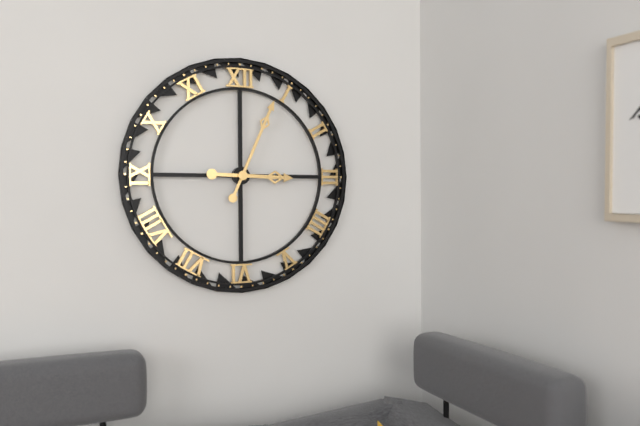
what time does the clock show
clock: 3:04
